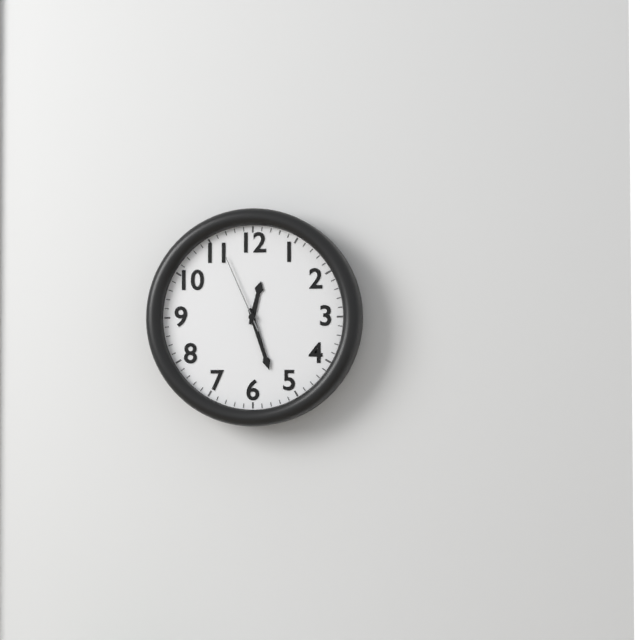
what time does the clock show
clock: 12:27:56
